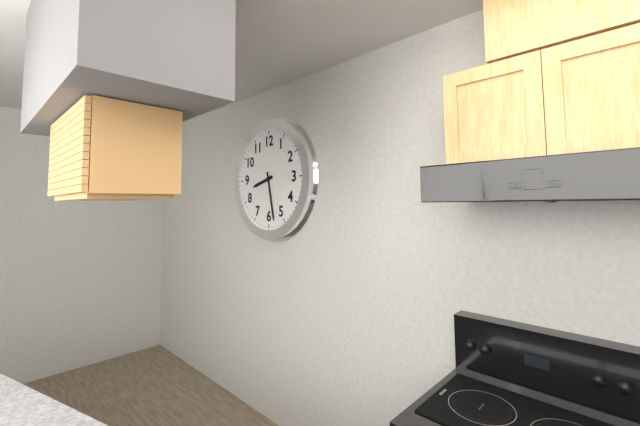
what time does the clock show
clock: 8:28
